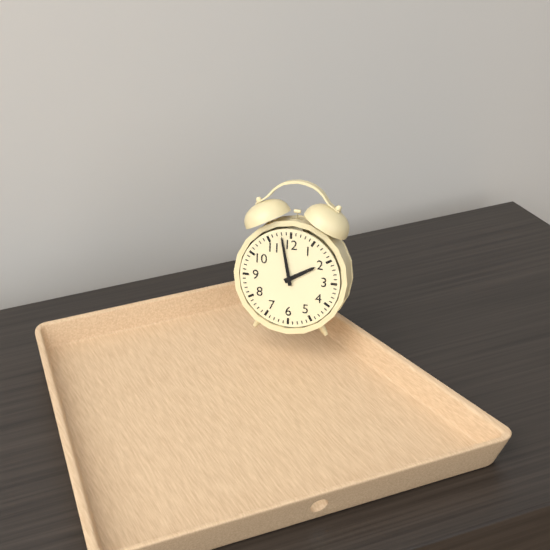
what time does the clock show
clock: 1:58
